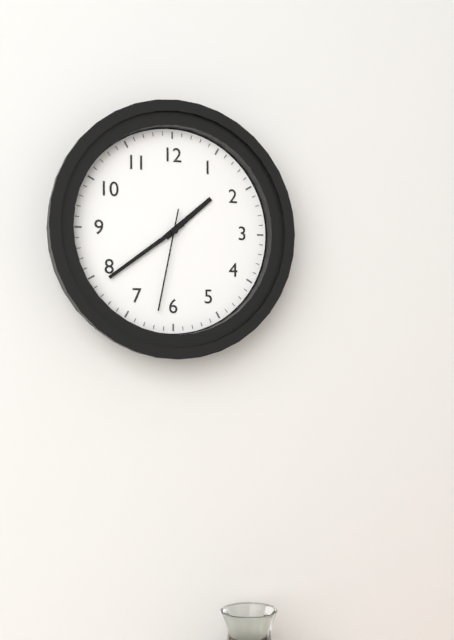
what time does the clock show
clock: 1:39:32
